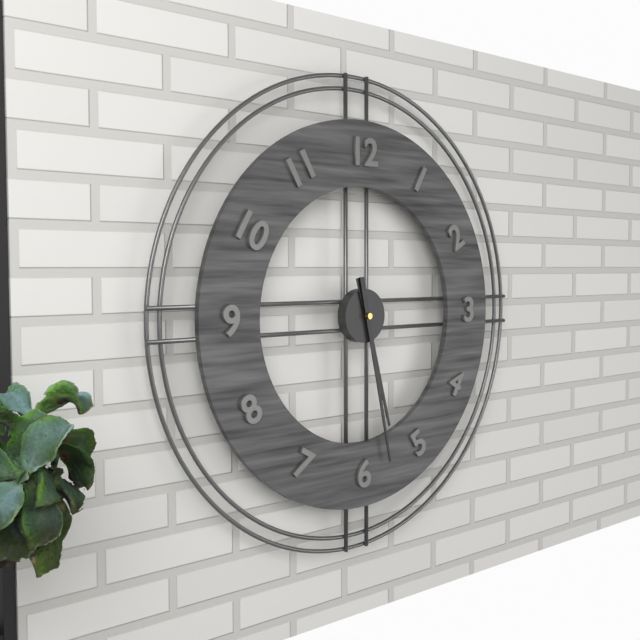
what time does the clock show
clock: 5:28
